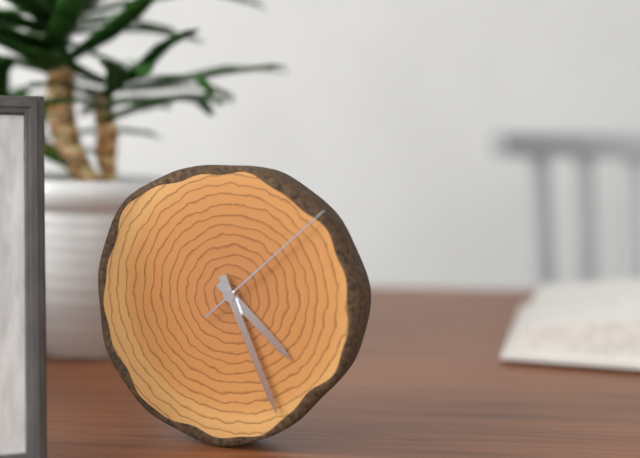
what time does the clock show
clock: 4:26:08
